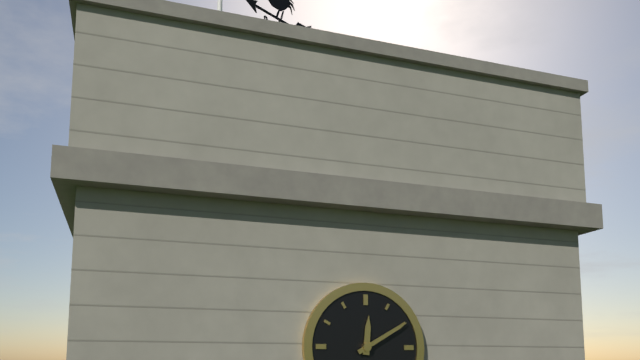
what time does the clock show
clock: 12:10
